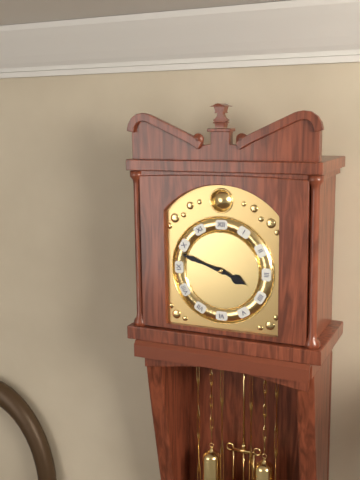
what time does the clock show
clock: 3:48
